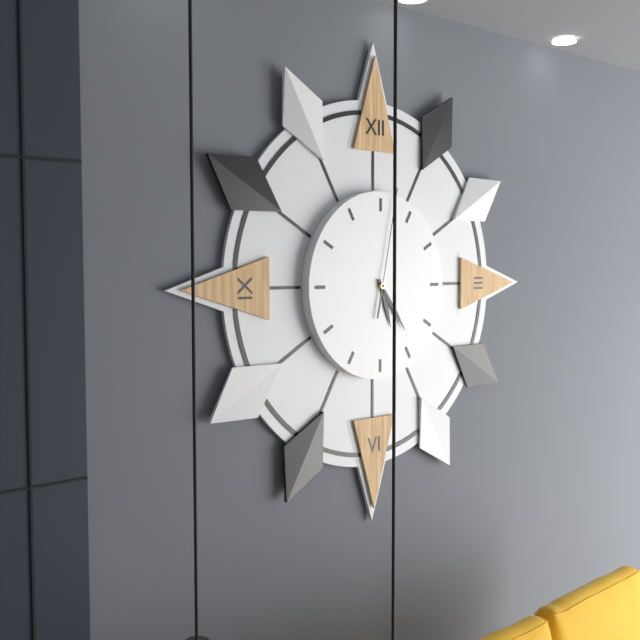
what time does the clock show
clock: 5:24:02
